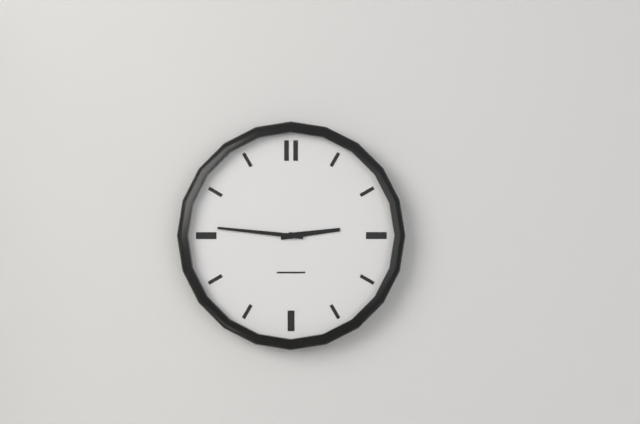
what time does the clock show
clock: 2:46
